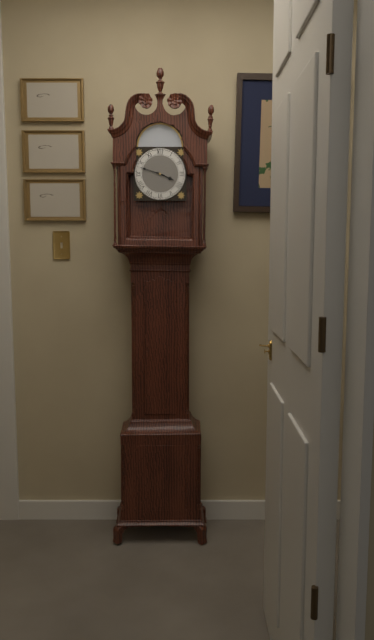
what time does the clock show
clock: 3:48
